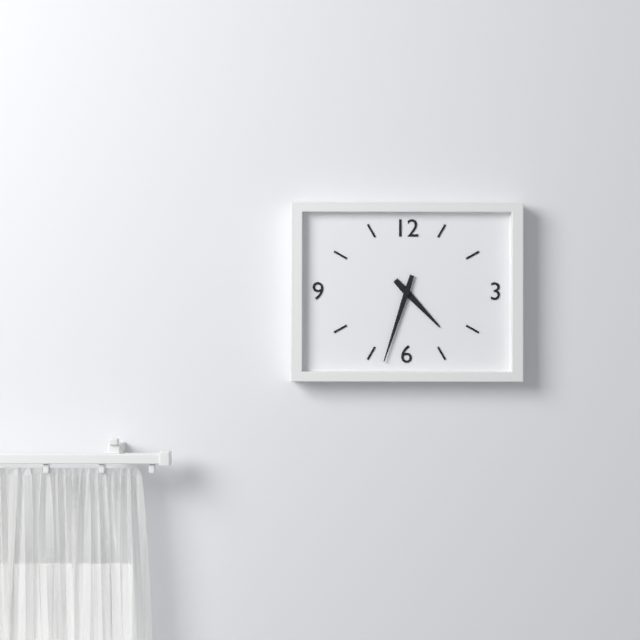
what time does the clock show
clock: 4:33
